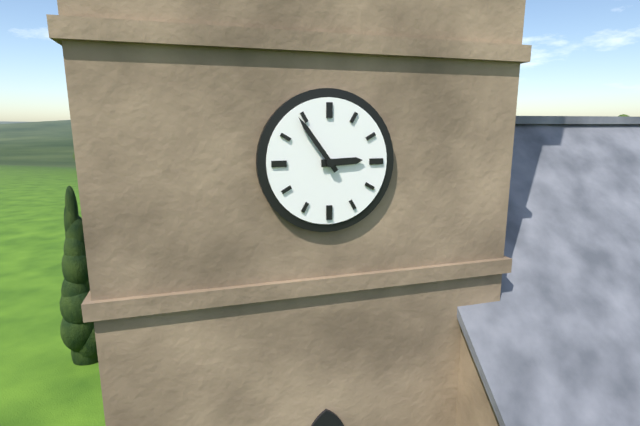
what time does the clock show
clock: 2:54
